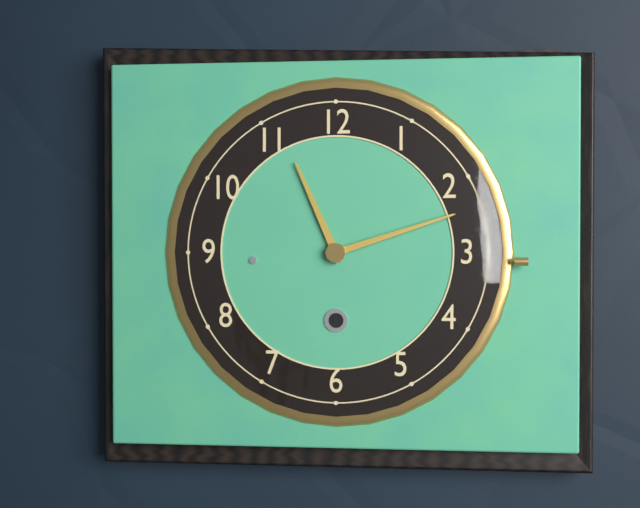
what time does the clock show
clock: 11:12
